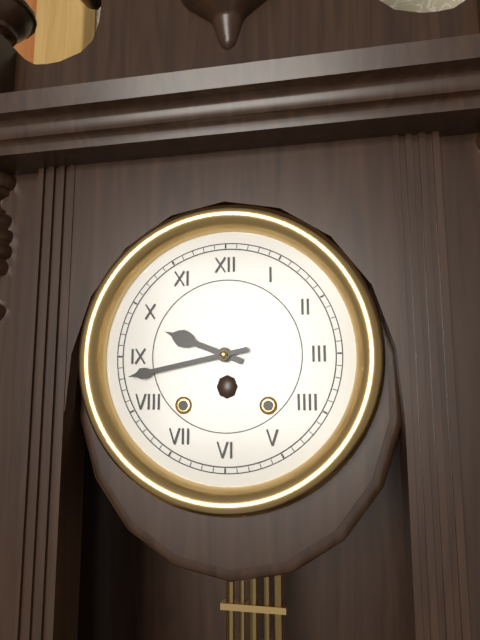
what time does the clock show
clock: 9:43
